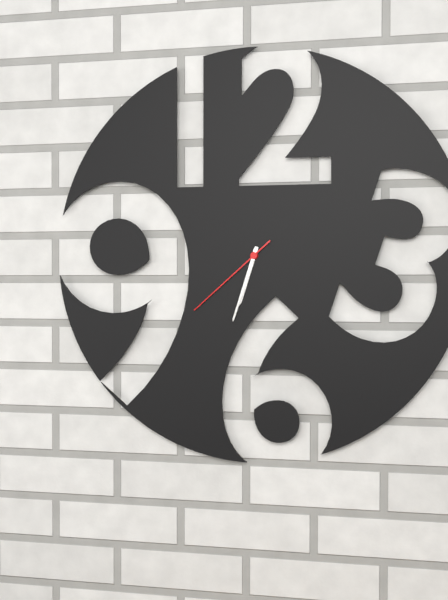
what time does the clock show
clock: 6:33:38
